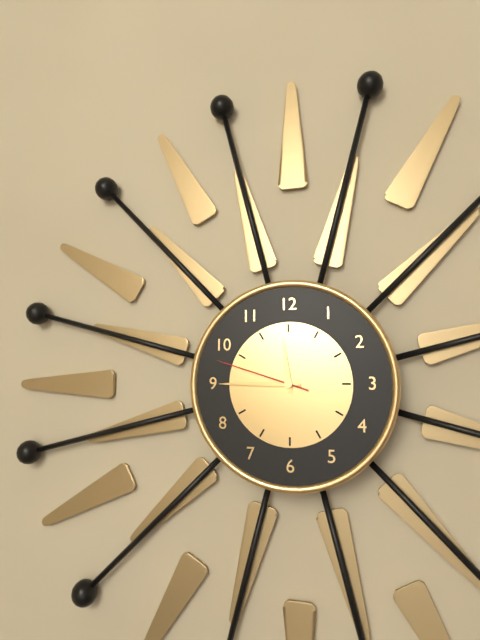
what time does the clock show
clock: 11:45:48
